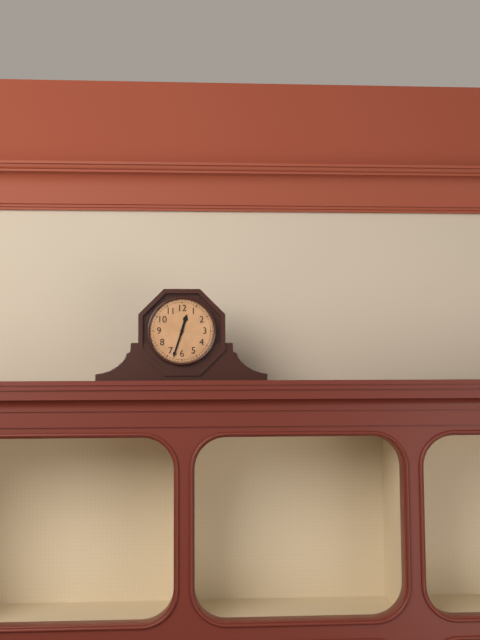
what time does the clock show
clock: 12:33
